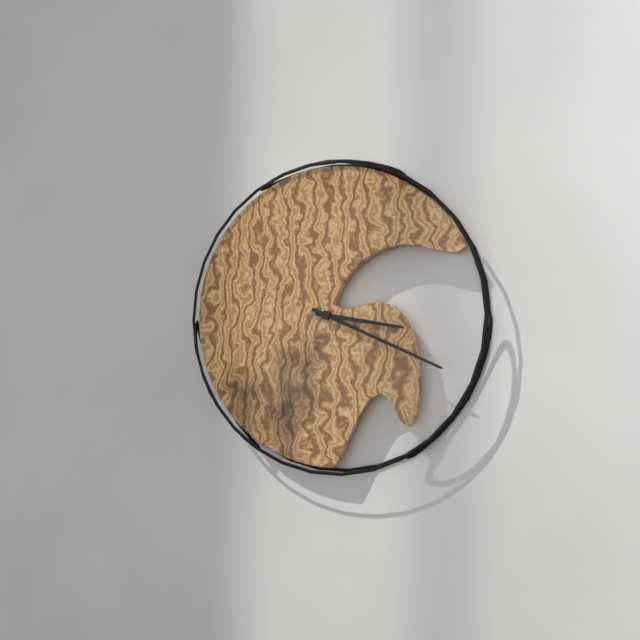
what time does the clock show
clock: 3:19
